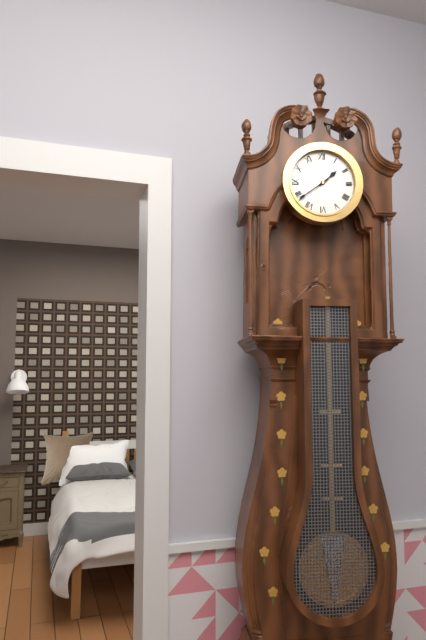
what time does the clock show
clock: 1:39
